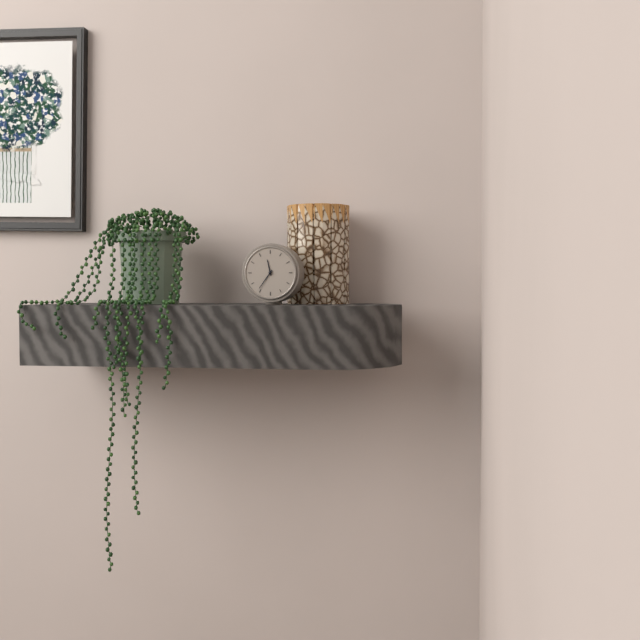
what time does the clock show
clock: 11:36
